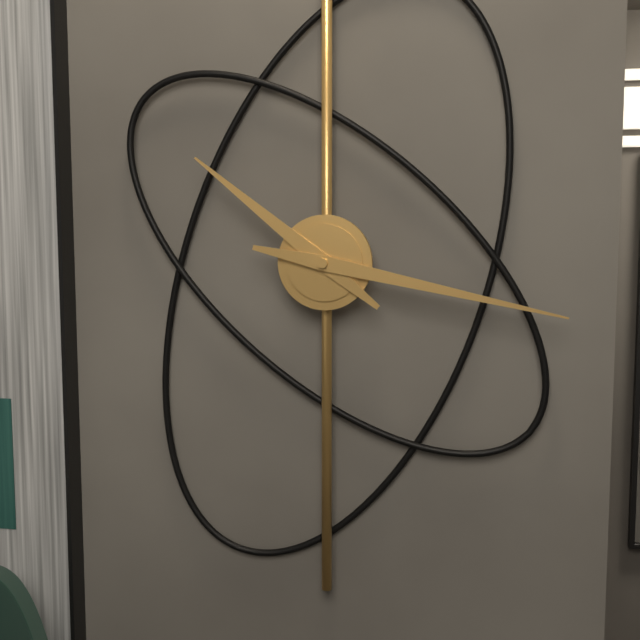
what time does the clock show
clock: 10:17
